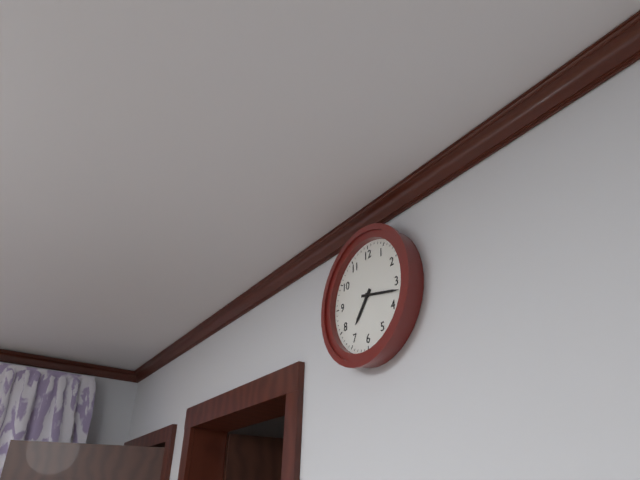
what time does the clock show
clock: 7:17
